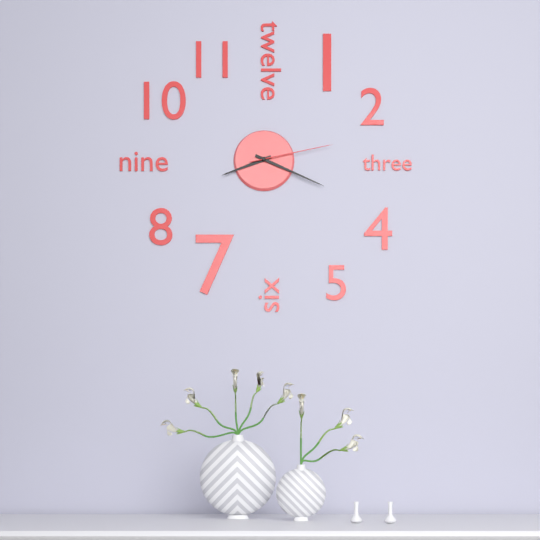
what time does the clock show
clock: 8:19:13
